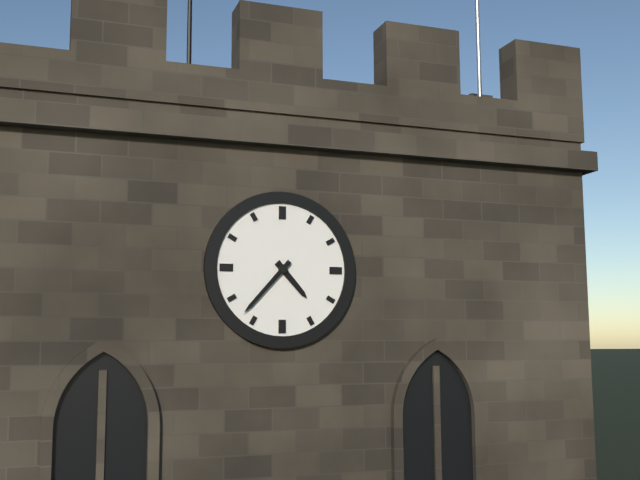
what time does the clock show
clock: 4:37
